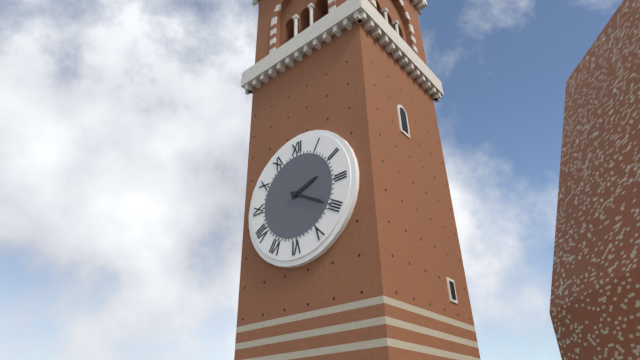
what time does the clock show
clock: 2:20
